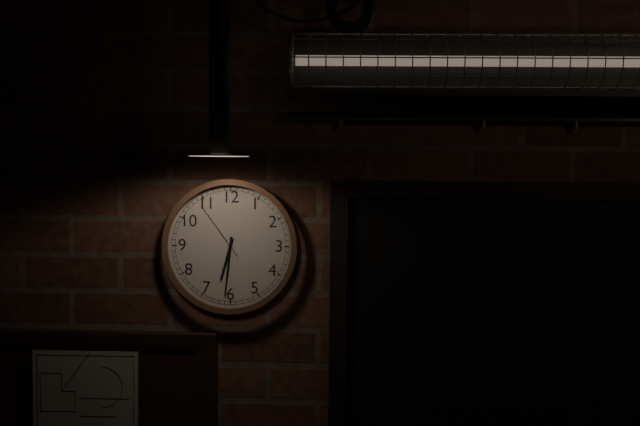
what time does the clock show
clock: 6:31:54
